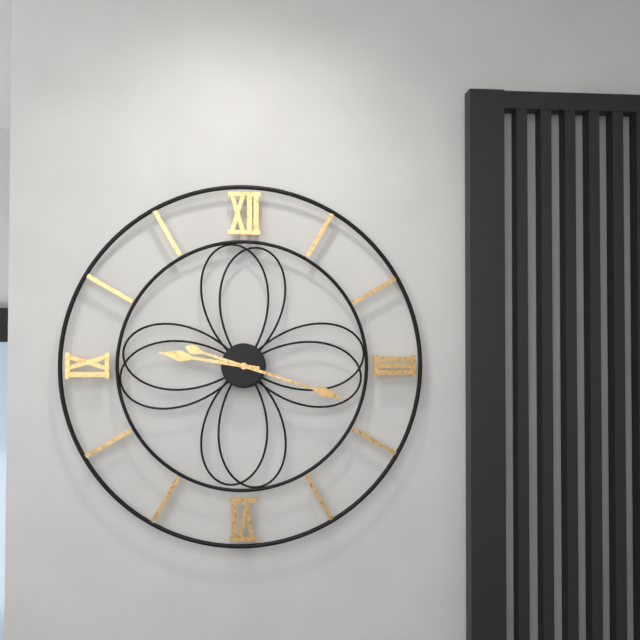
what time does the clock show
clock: 9:18
